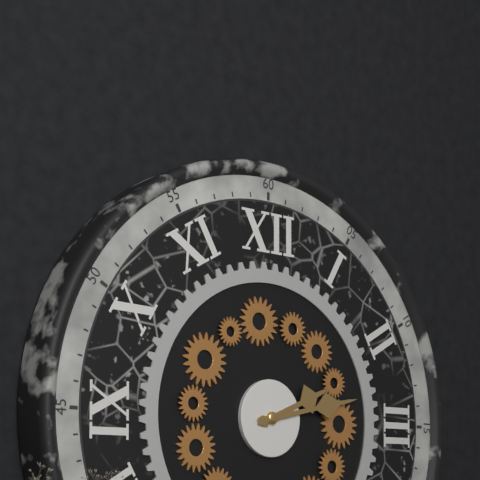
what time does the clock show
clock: 2:13
